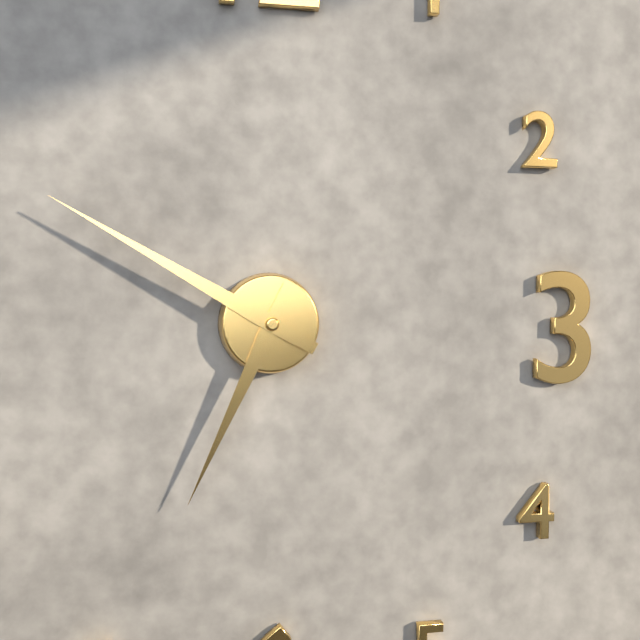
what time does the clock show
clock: 6:50
